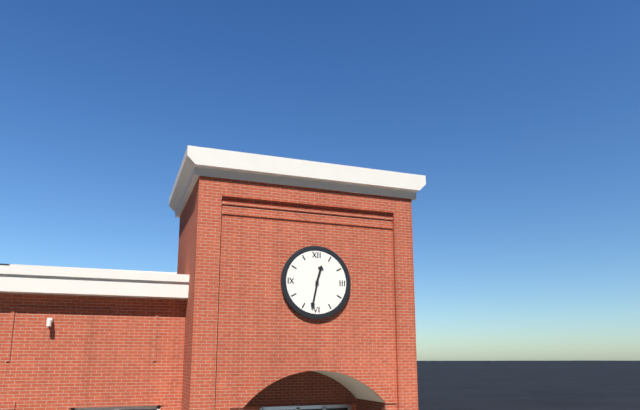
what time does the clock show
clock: 12:32
